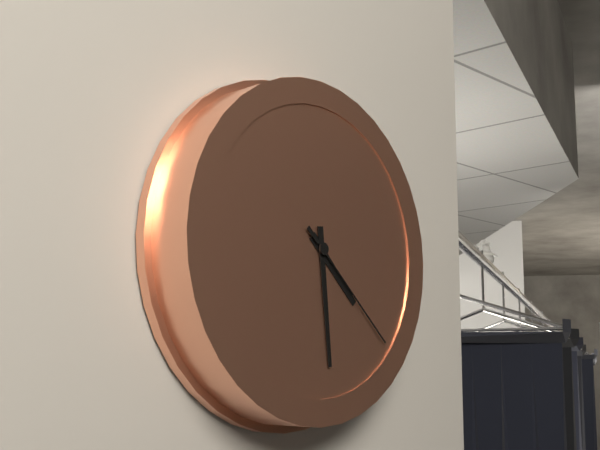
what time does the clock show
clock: 4:29:22
